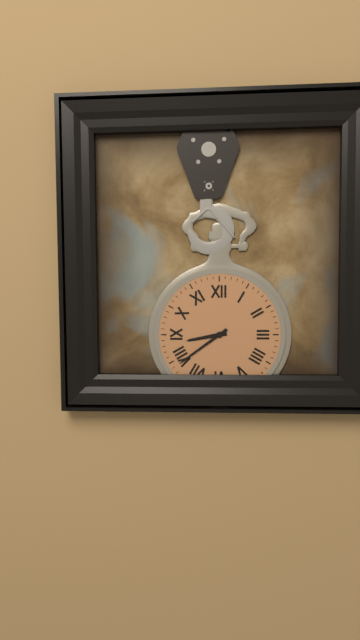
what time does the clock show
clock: 8:39
